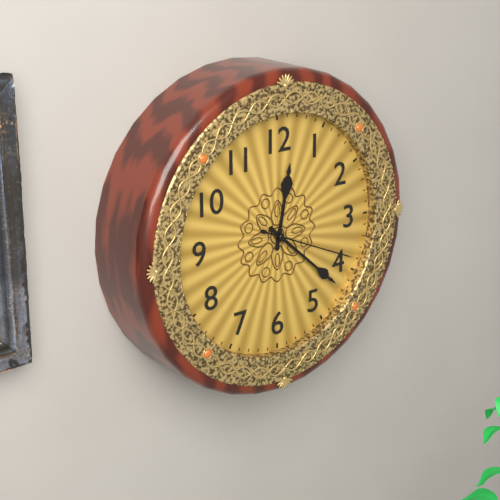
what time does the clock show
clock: 12:22:19
